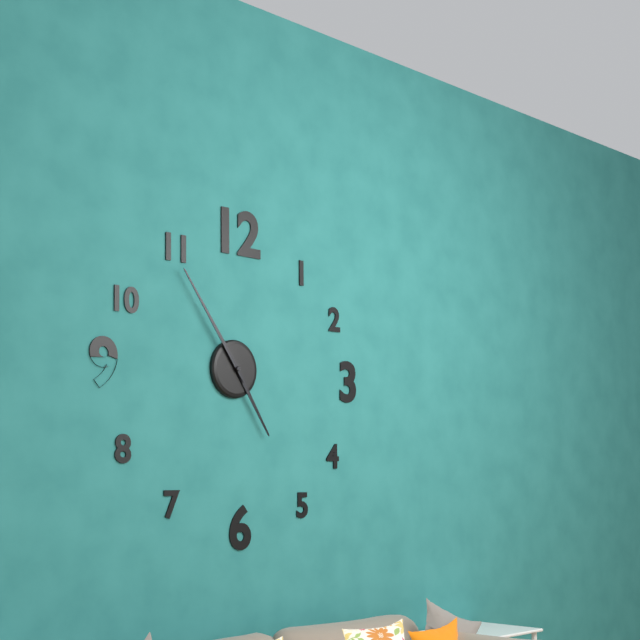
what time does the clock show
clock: 4:54
